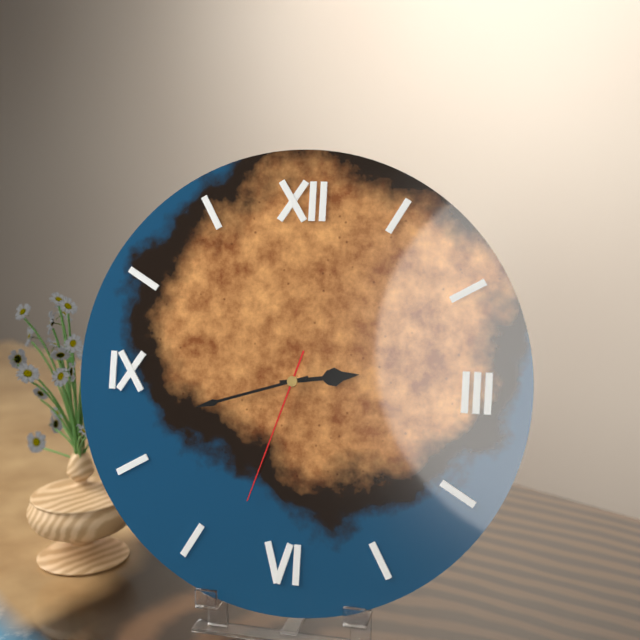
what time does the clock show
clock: 2:42:33
